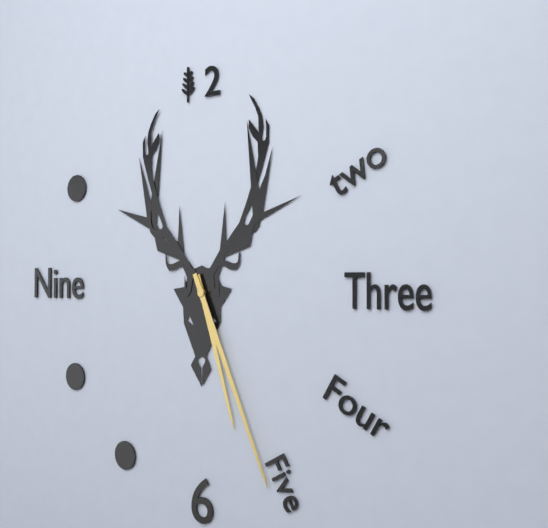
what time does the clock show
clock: 5:26
